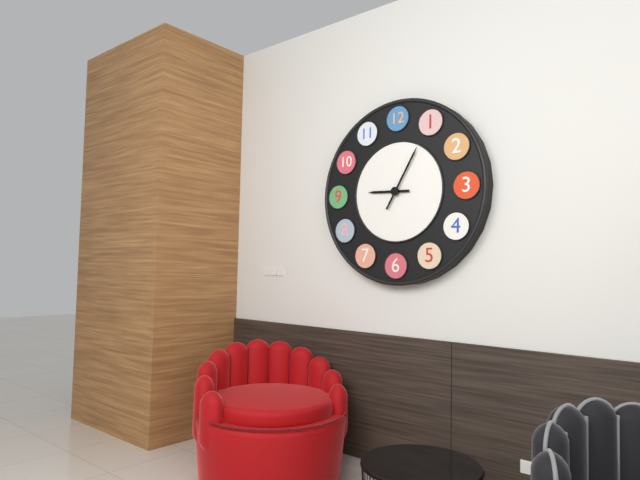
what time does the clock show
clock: 9:05
